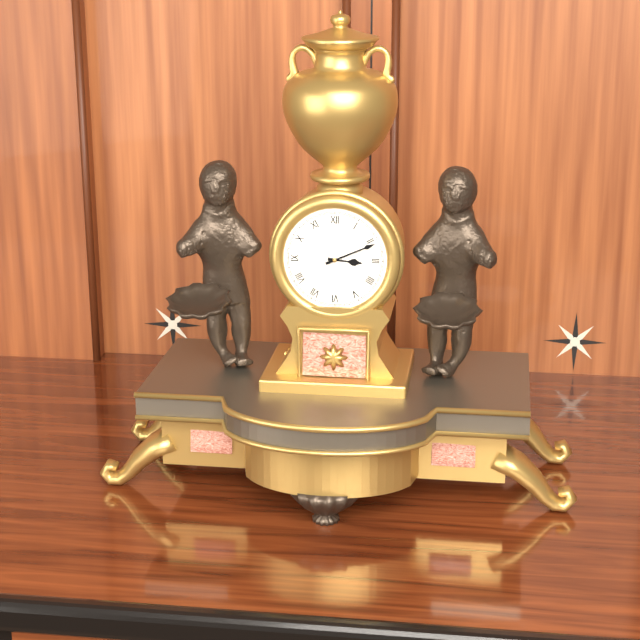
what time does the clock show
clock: 3:11
